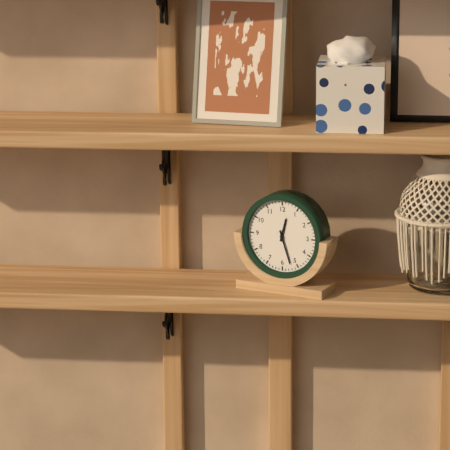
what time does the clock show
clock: 12:27
